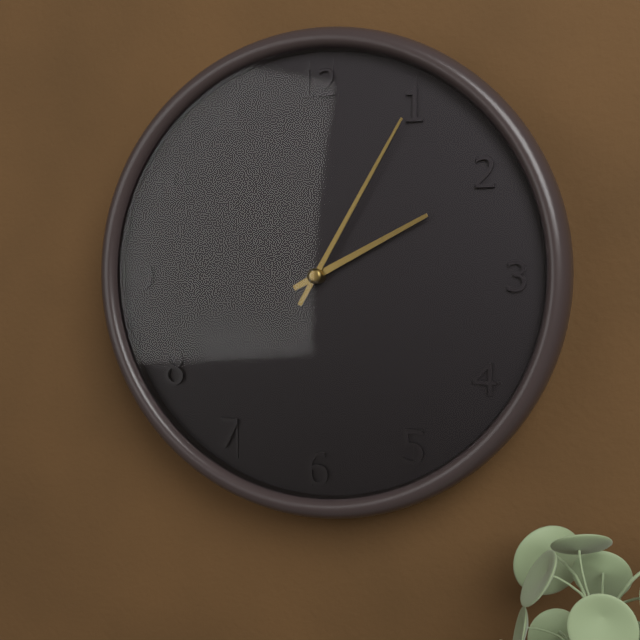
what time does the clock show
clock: 2:05
